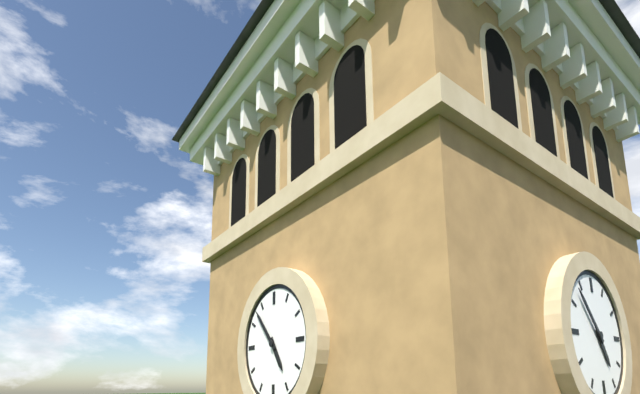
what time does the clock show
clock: 4:53
